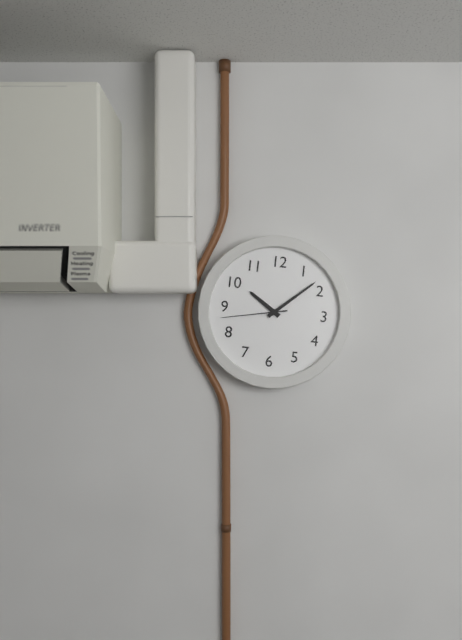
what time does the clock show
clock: 10:08:43
